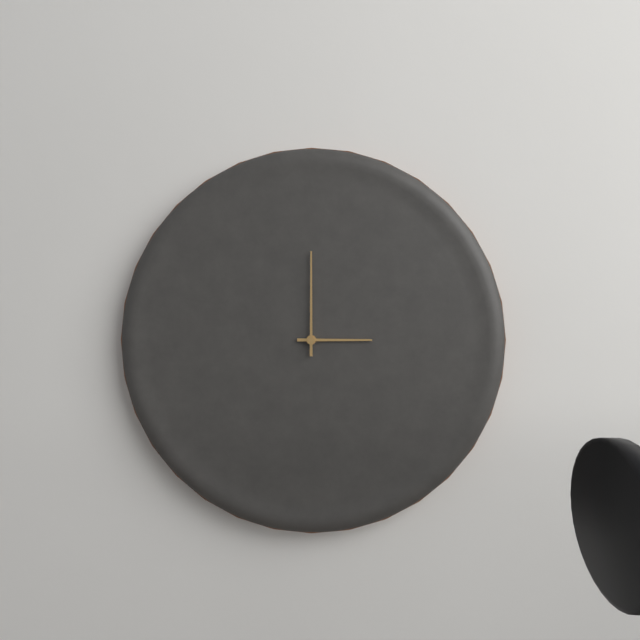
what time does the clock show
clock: 3:00
